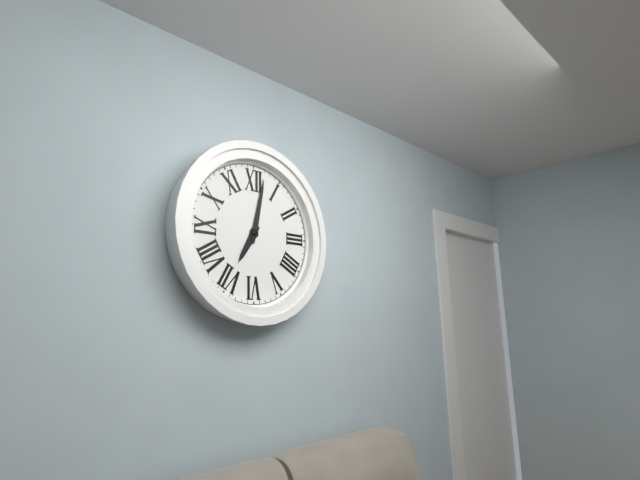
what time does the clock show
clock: 7:02
